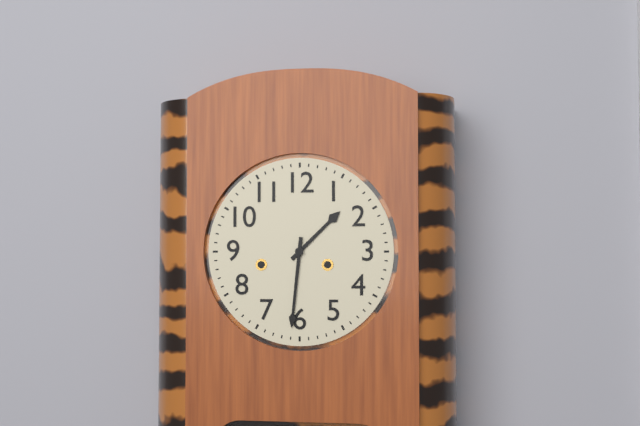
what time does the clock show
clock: 1:31
